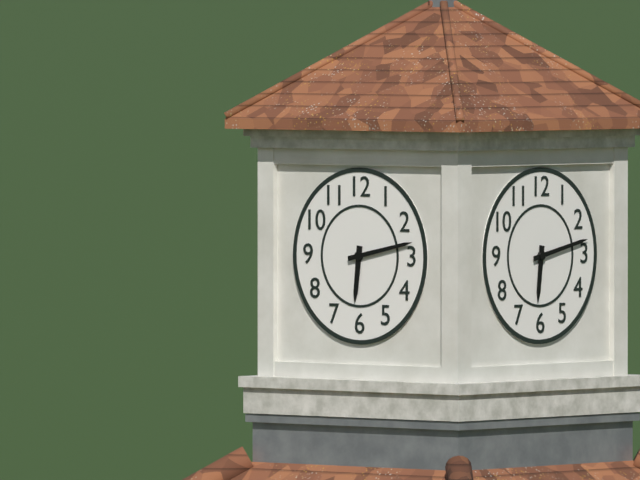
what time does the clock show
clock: 6:13
